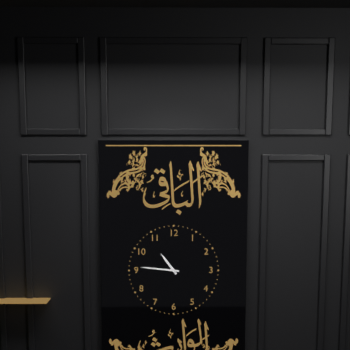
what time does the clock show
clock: 10:46
